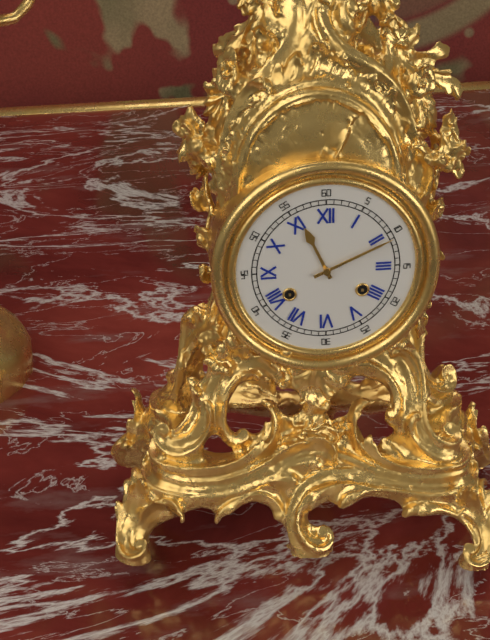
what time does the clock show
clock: 11:11
